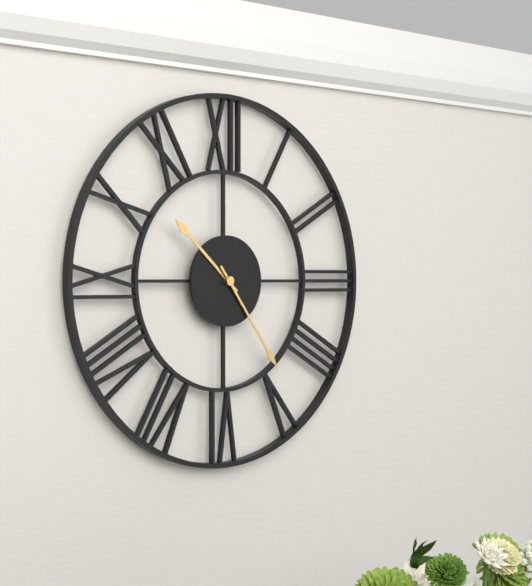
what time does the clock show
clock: 10:24
